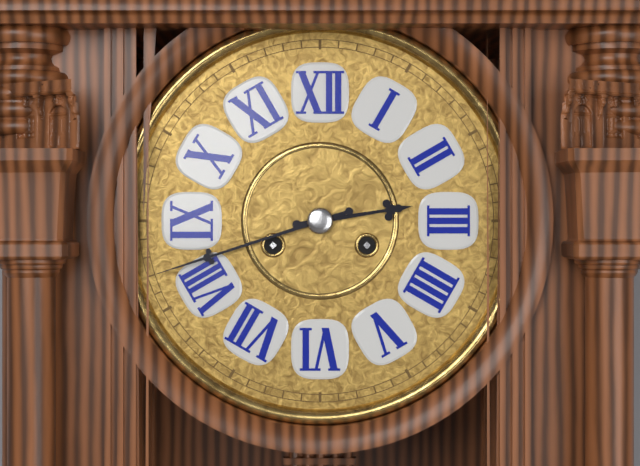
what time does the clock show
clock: 2:42
